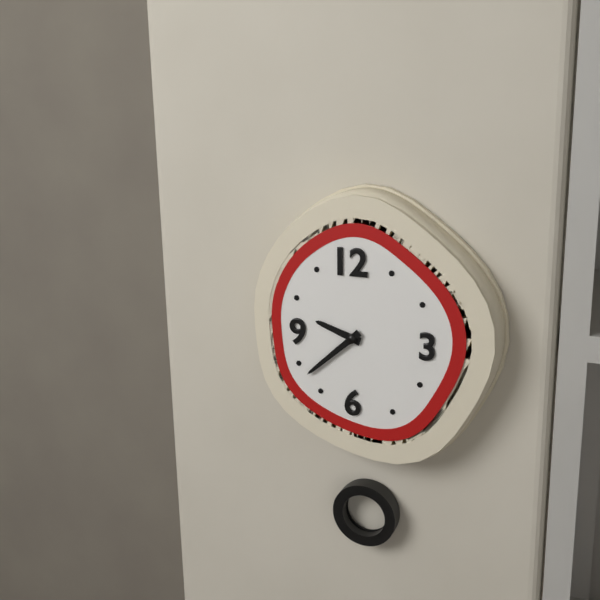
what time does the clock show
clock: 9:38
